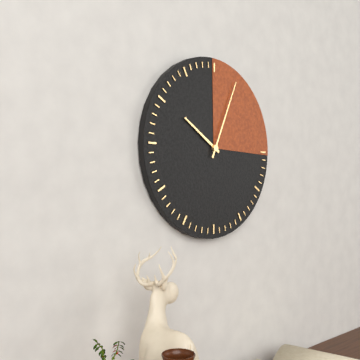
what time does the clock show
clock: 10:04
